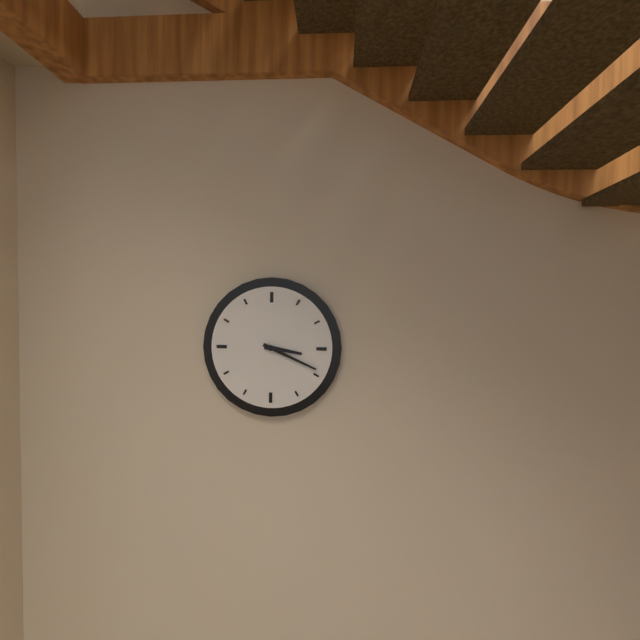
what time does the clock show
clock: 3:19
